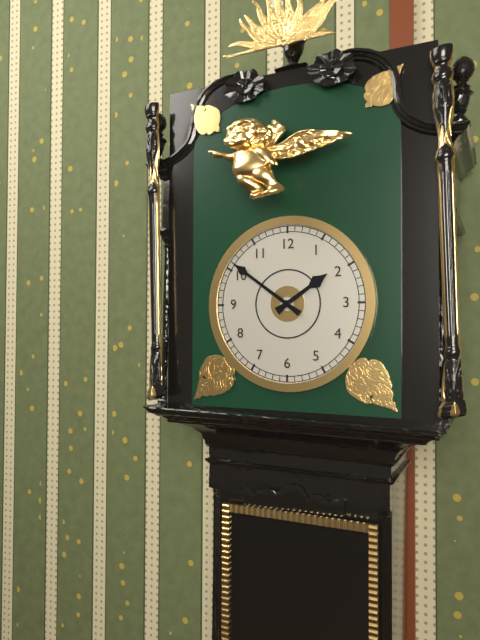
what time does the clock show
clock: 1:51
